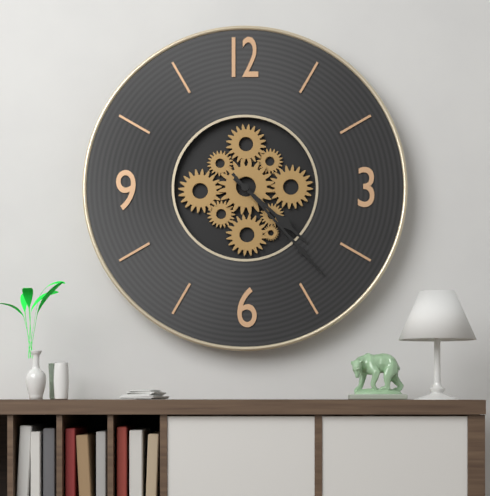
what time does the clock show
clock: 4:23
